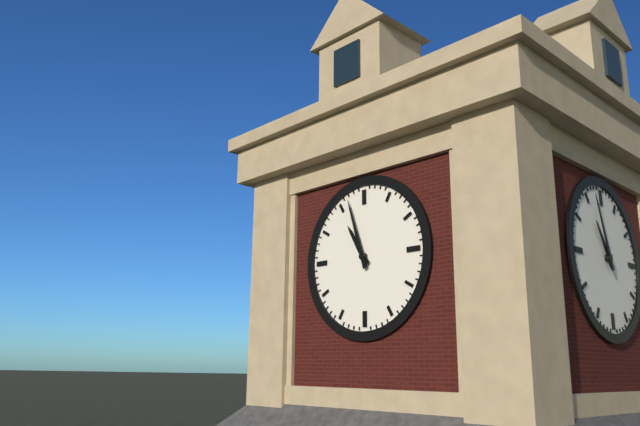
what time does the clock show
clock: 10:57
